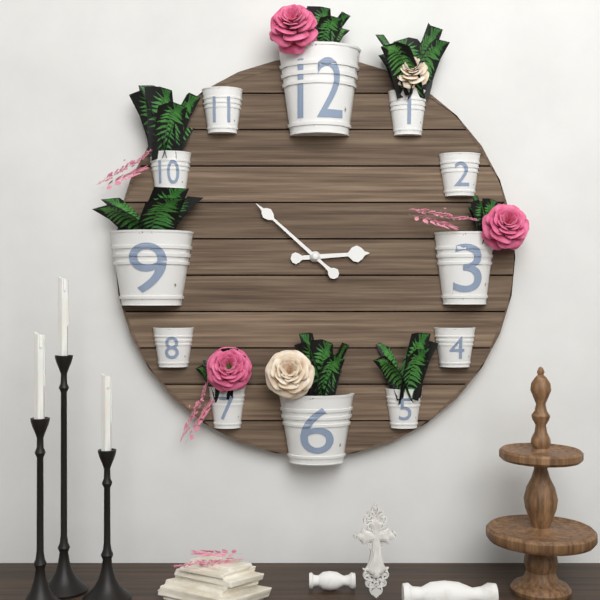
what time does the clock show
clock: 2:52
